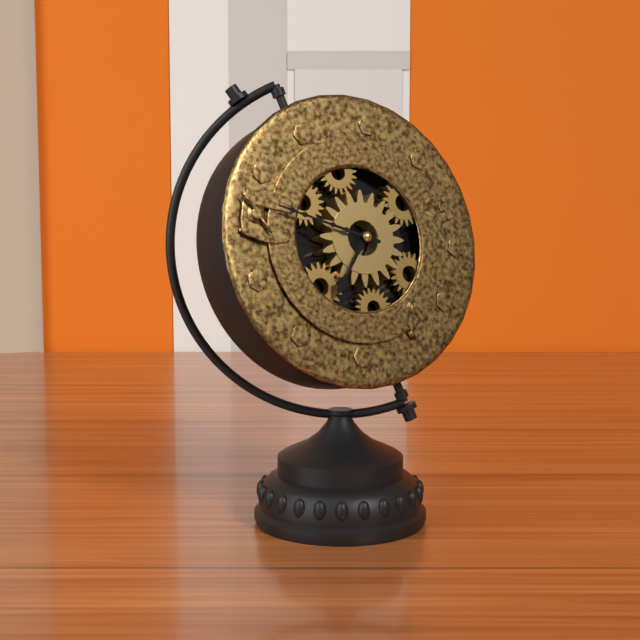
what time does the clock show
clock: 6:46
